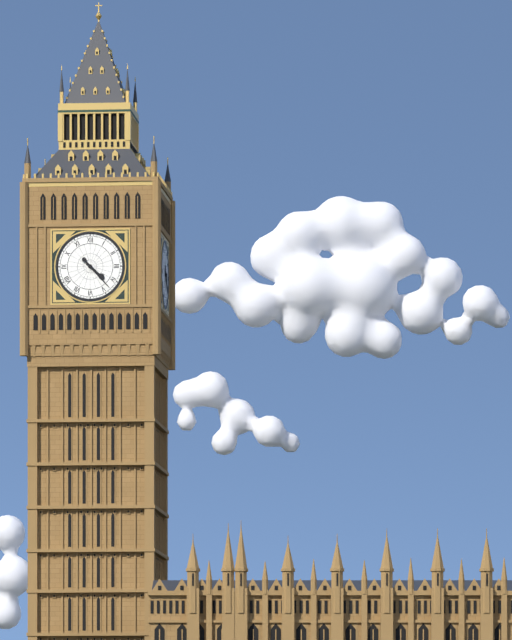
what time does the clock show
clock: 4:23
